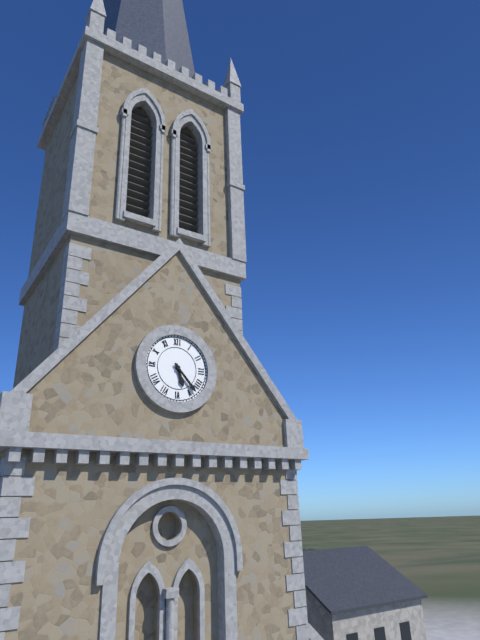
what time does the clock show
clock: 5:23
